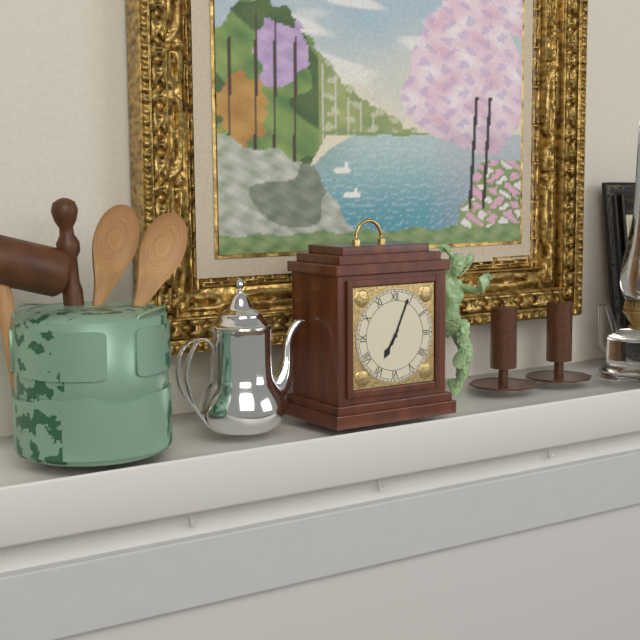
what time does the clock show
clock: 7:04
